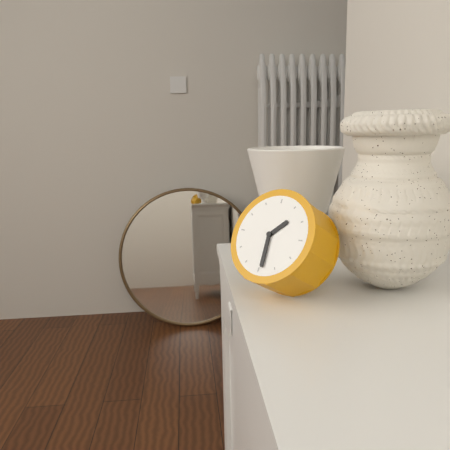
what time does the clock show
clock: 1:29
